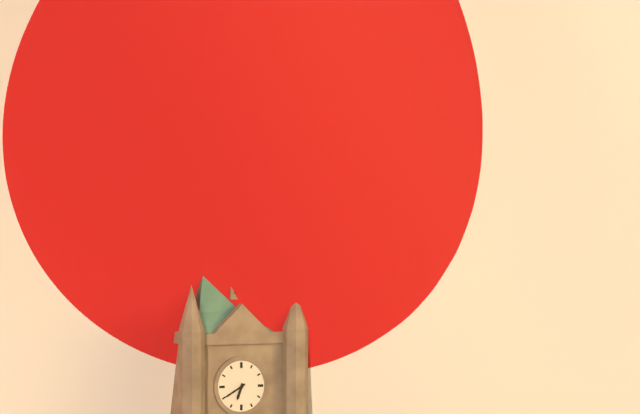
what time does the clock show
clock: 6:40
